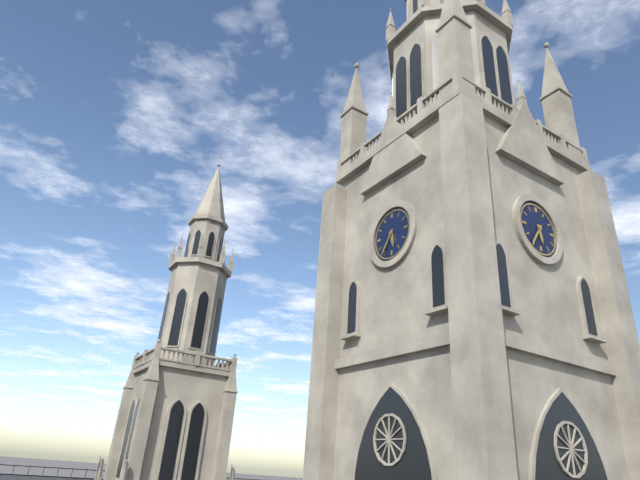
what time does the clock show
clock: 5:36
